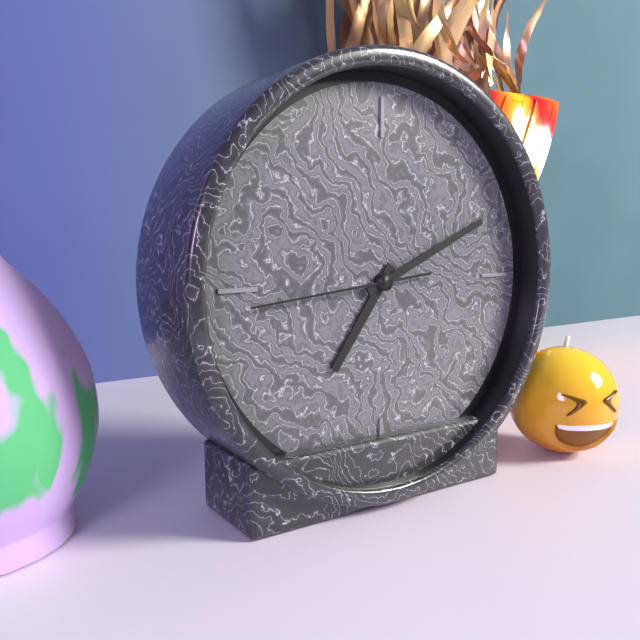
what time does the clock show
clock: 7:11:44
